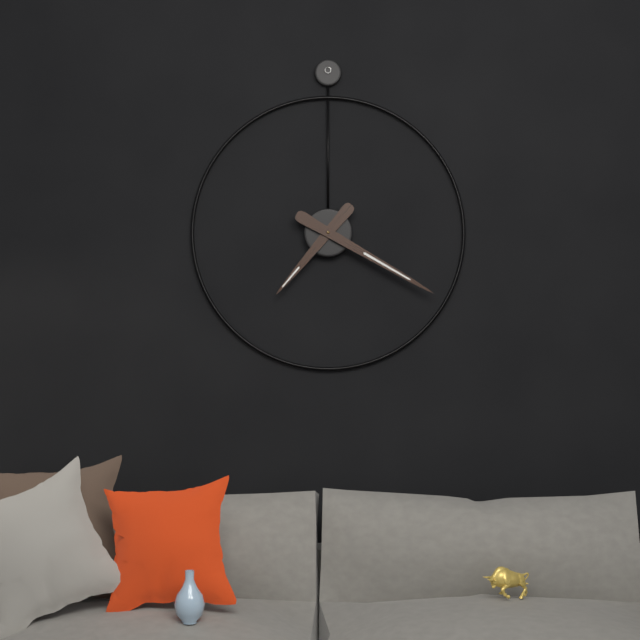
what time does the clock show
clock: 7:20
